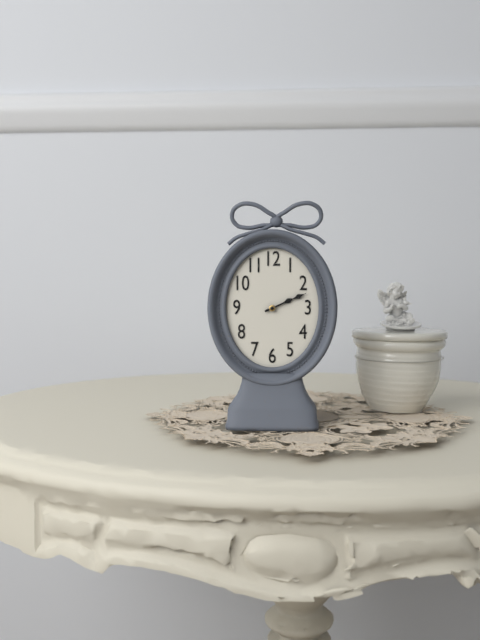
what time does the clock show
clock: 2:11
